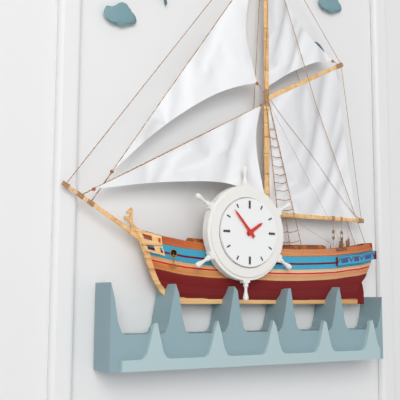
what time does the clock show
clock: 1:53
